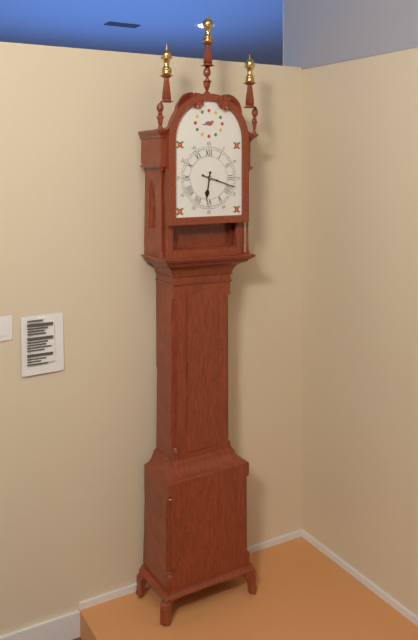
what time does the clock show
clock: 6:18
